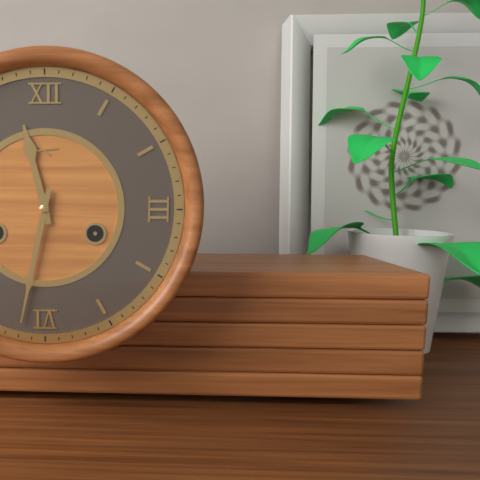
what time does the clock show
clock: 11:32
